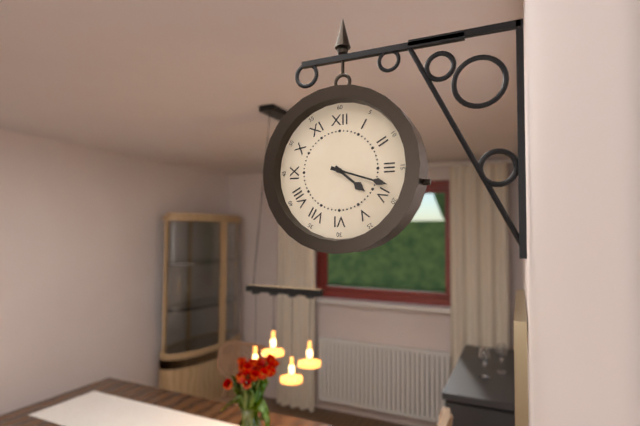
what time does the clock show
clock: 4:18
